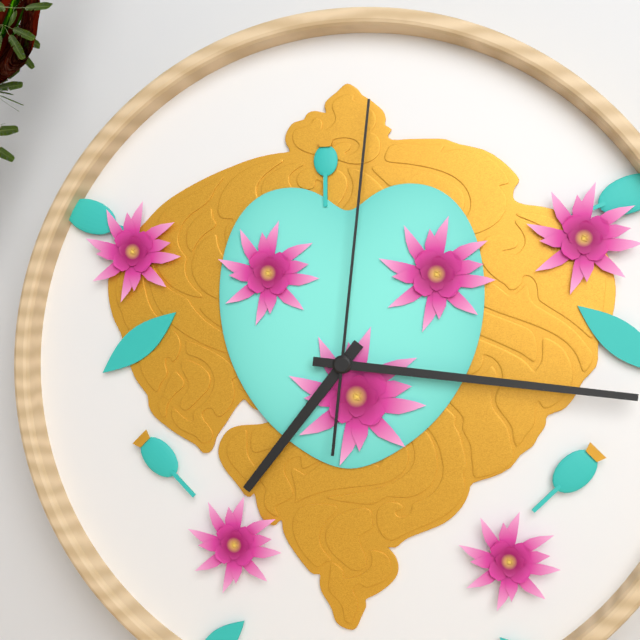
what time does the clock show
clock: 7:16:01
